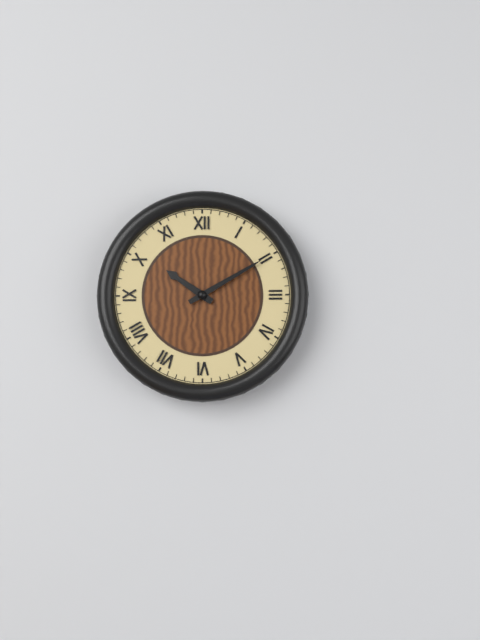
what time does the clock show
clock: 10:10
